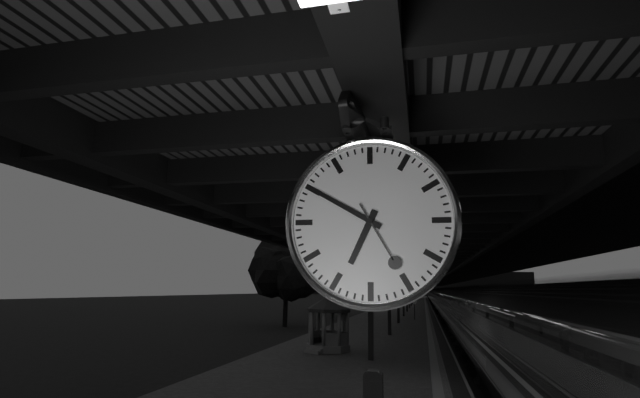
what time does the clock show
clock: 6:50:25
